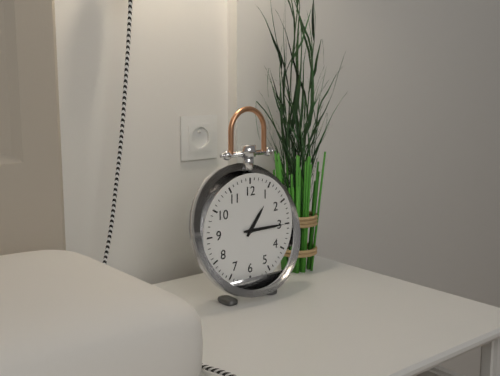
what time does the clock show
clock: 1:15
